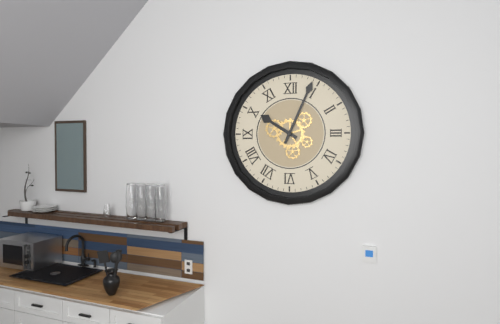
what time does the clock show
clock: 10:04
